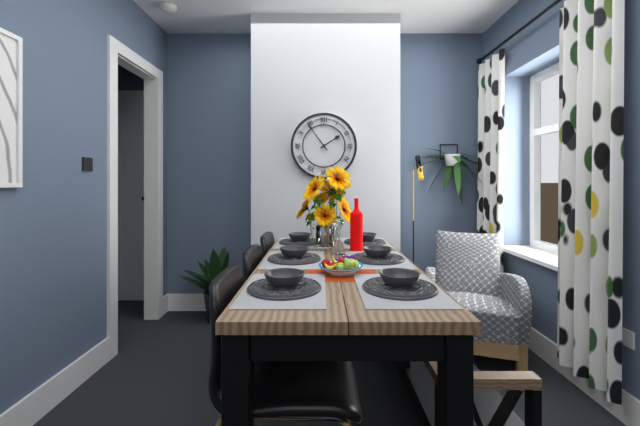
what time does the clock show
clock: 1:54
